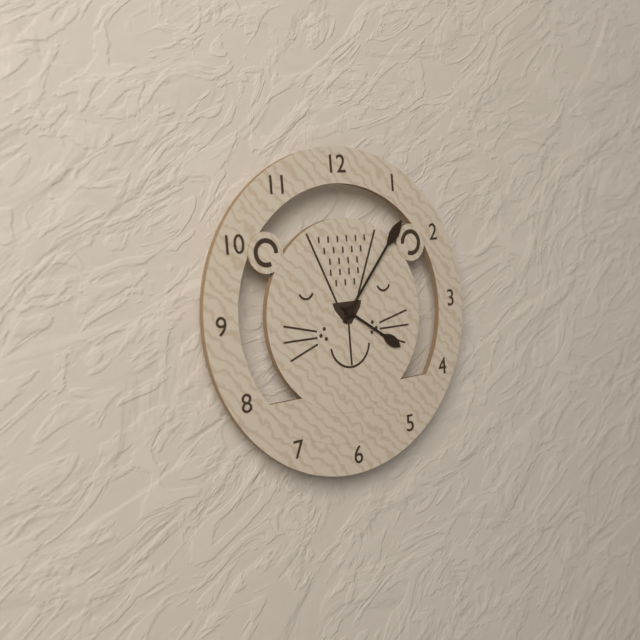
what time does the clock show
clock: 4:07
